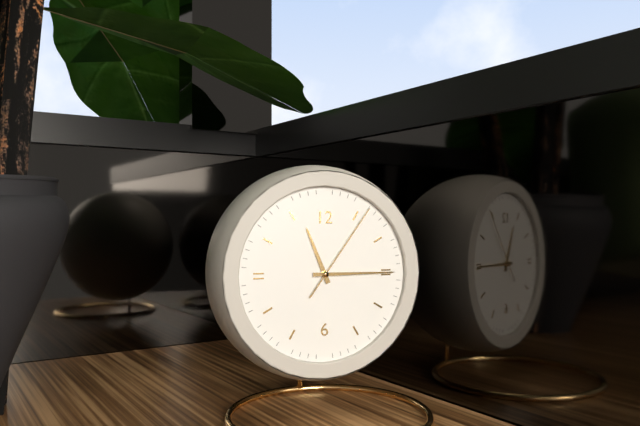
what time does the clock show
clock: 11:15:06
